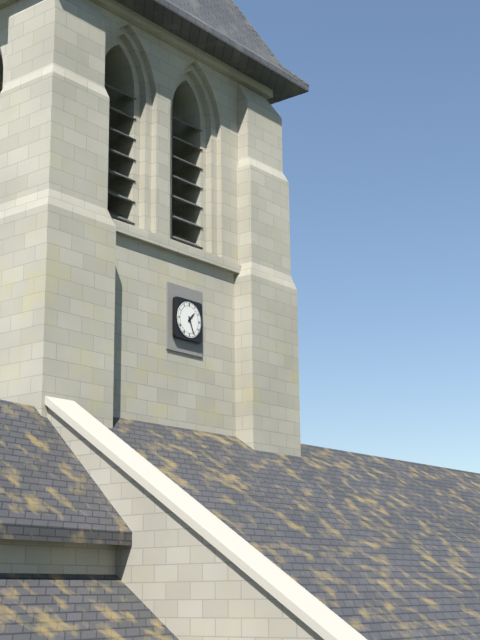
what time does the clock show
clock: 1:26
